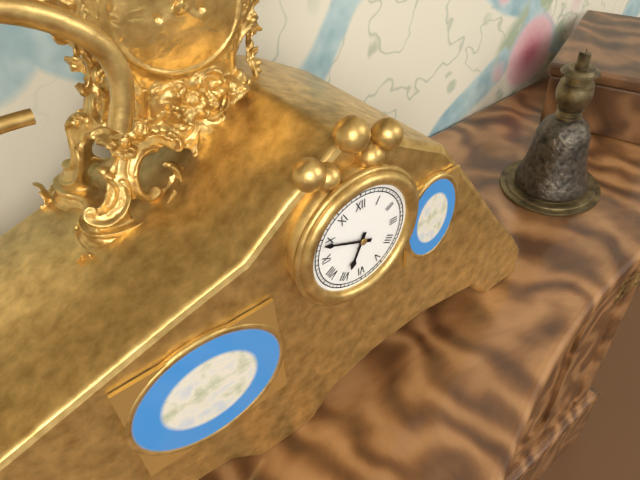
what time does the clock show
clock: 6:49
